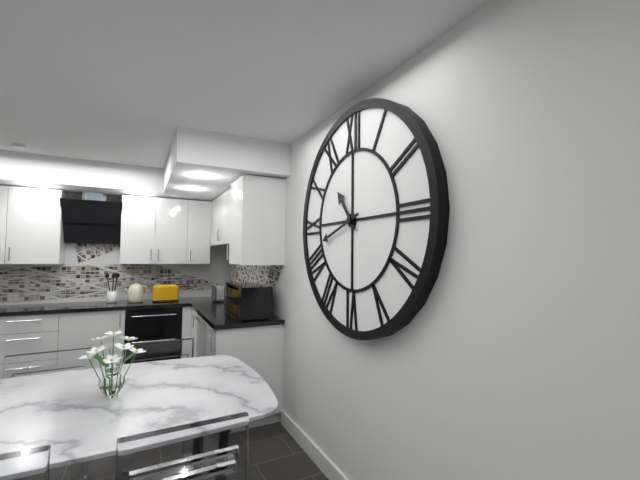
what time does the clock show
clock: 10:42
